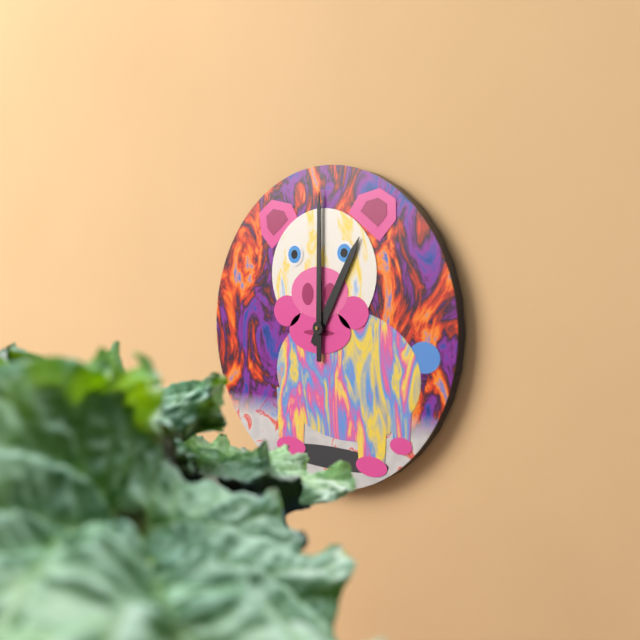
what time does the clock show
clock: 1:00
